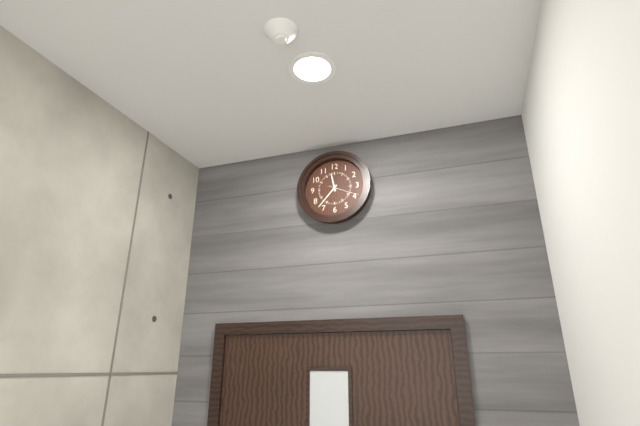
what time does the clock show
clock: 11:37
